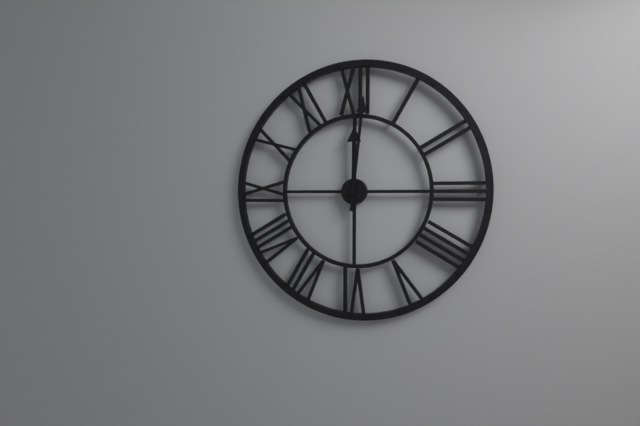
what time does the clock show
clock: 12:01
